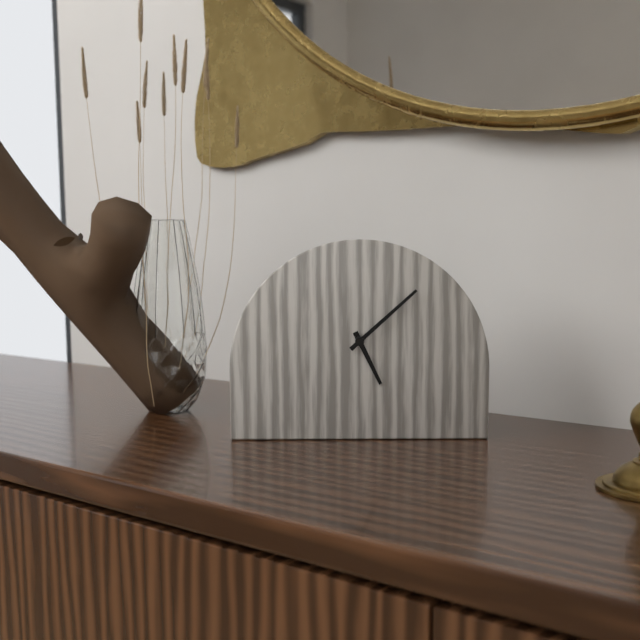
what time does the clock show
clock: 5:08
